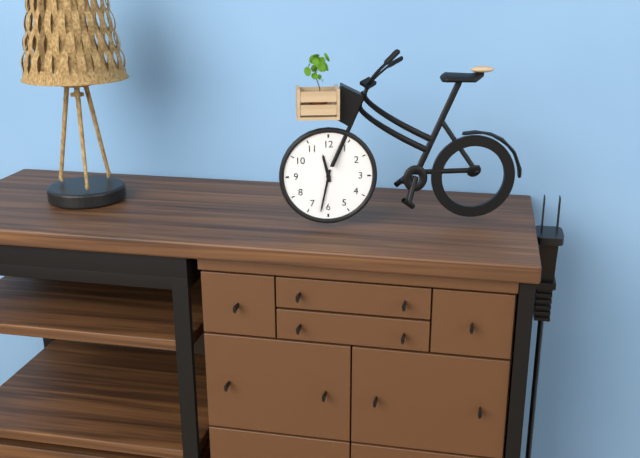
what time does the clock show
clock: 11:32
